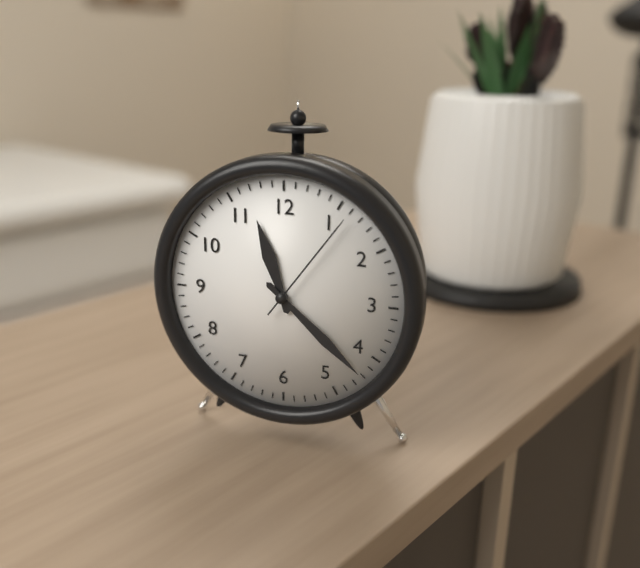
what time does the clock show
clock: 11:22:06
